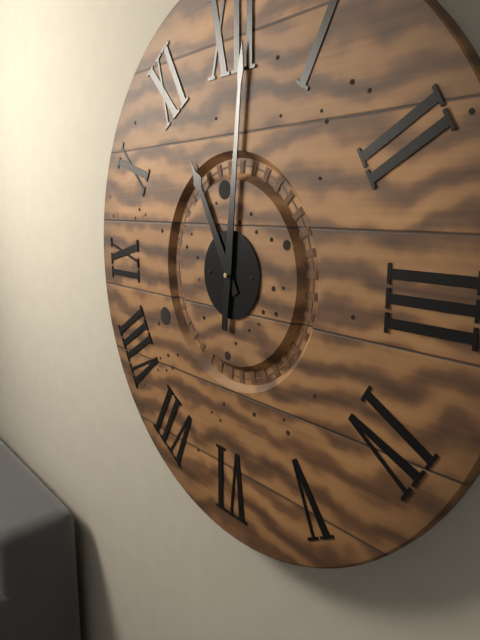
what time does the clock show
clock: 11:01
